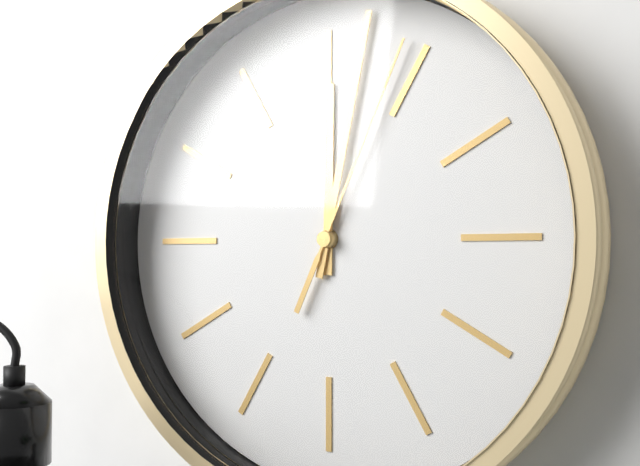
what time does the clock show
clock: 12:02:04
